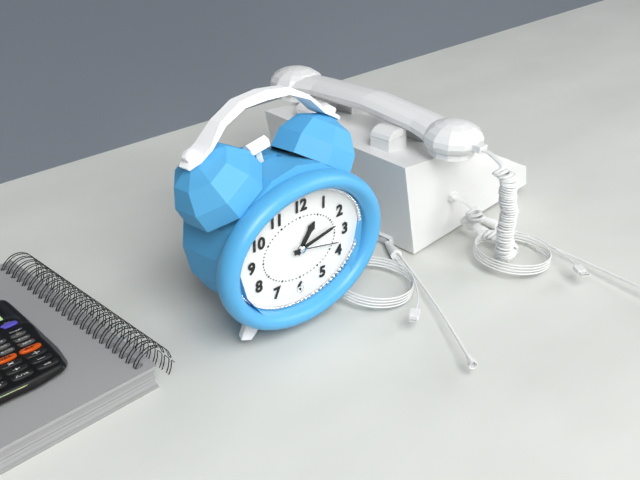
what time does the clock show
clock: 1:13
